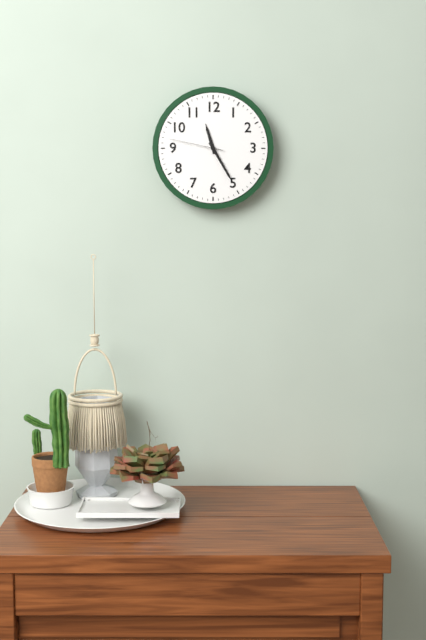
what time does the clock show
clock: 11:25:47
